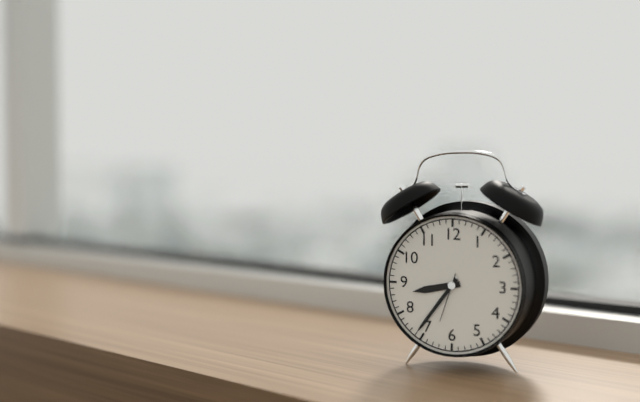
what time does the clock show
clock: 8:36:33
